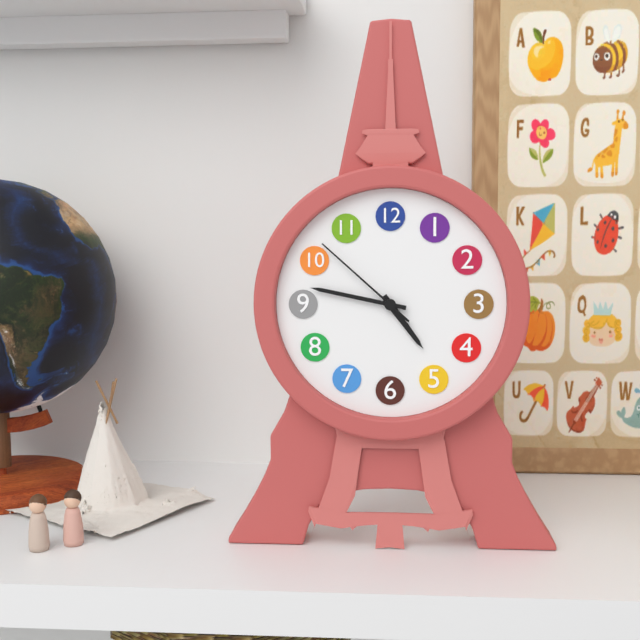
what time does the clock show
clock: 4:47:52
